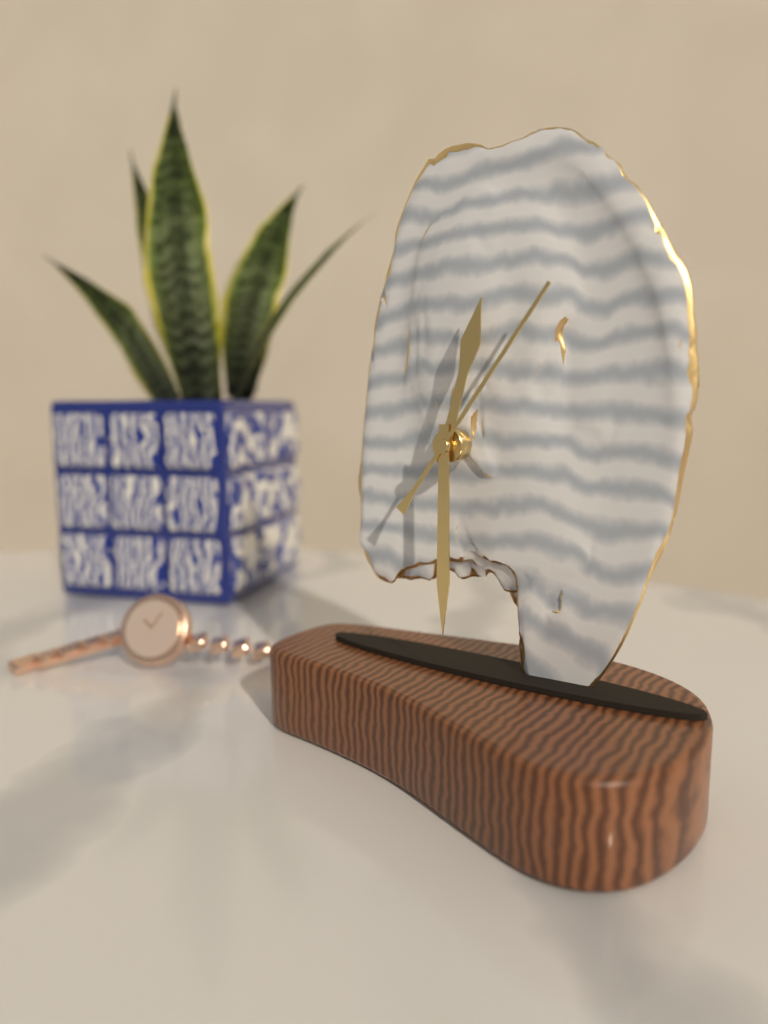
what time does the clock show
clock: 12:30:06
